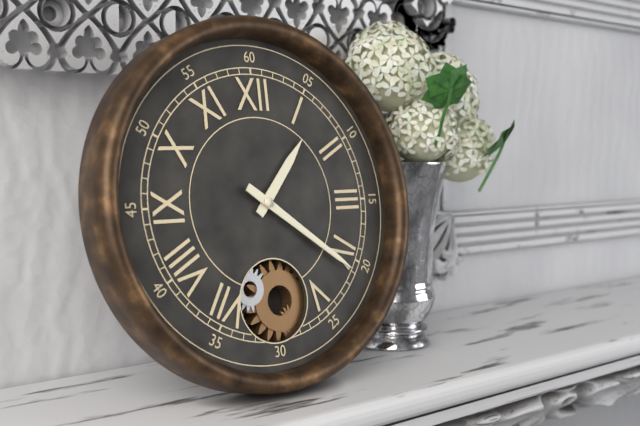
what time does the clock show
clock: 1:21
